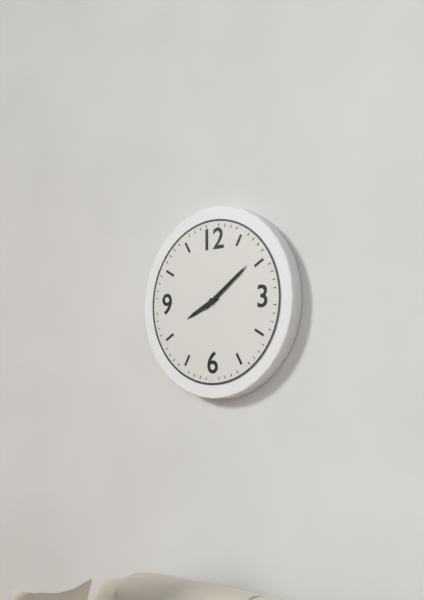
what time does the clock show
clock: 8:09:09
